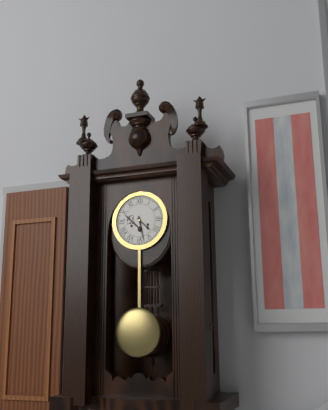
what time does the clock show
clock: 4:28
